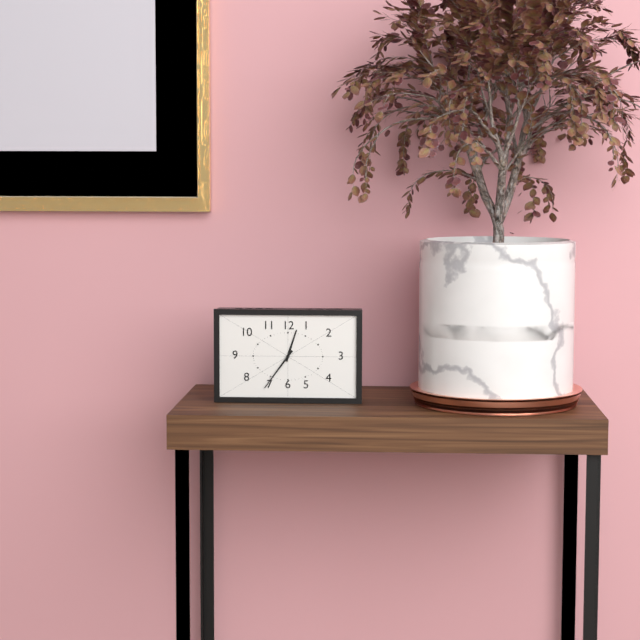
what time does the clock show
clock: 12:36
